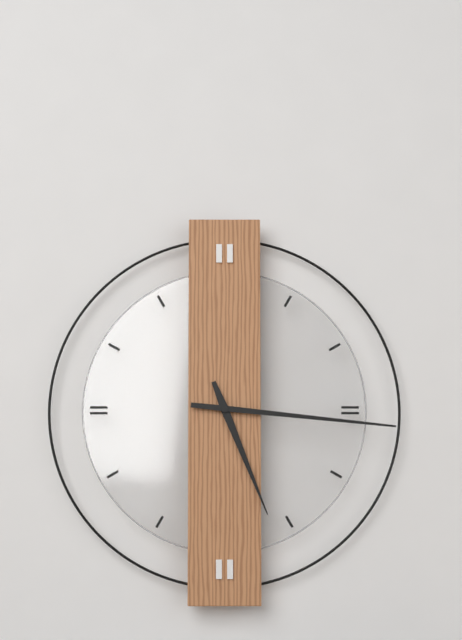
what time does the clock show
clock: 5:16
